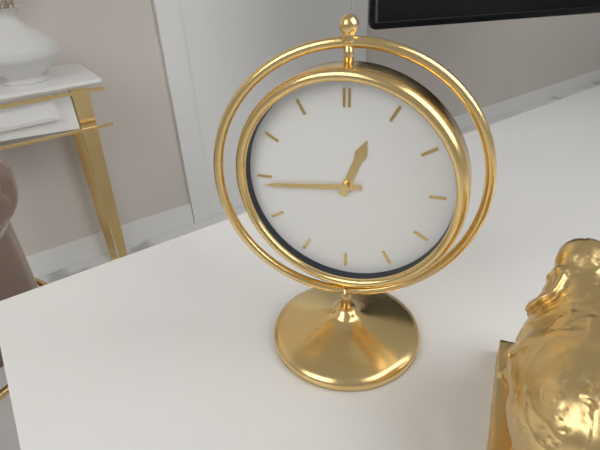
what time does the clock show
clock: 12:44
